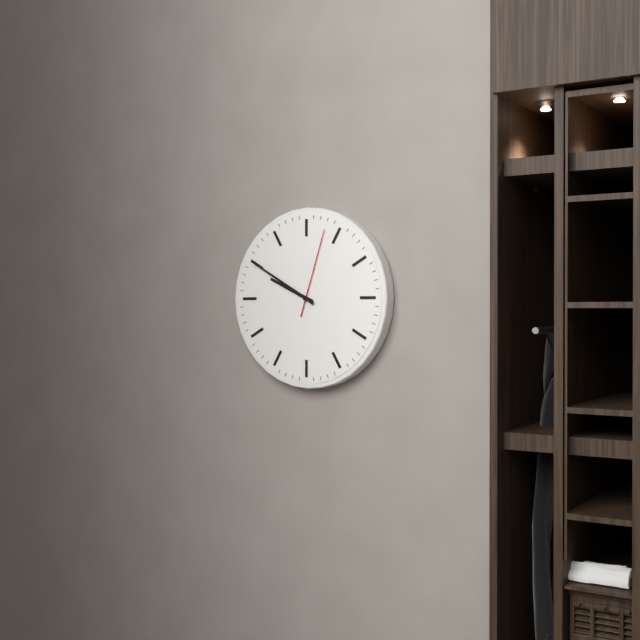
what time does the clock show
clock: 9:50:03
